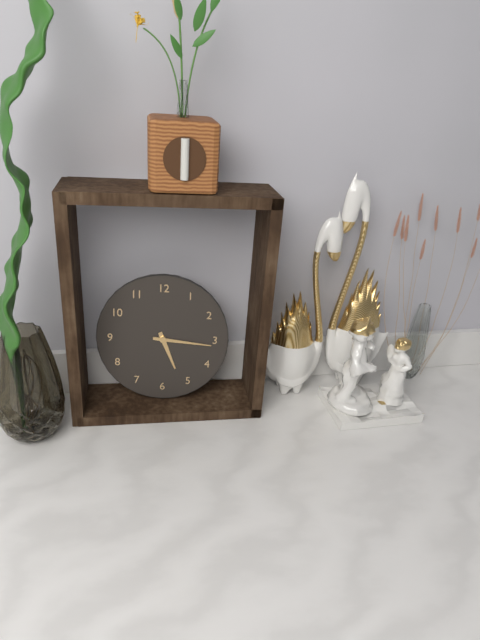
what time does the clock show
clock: 5:16
